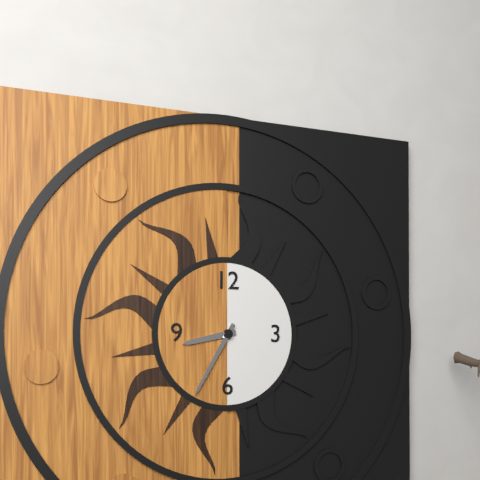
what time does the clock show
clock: 8:35
